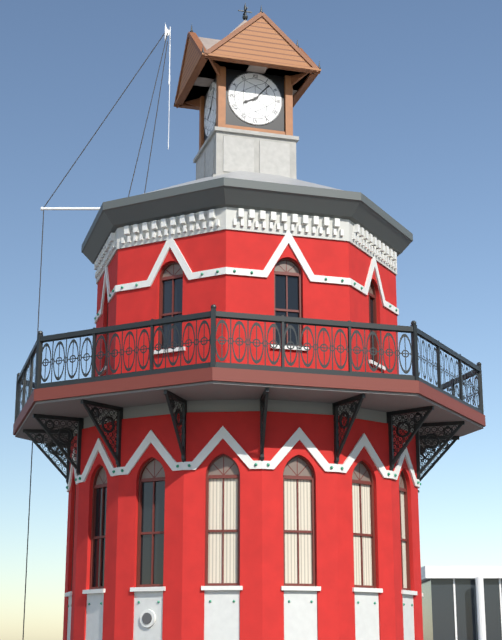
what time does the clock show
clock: 8:07
